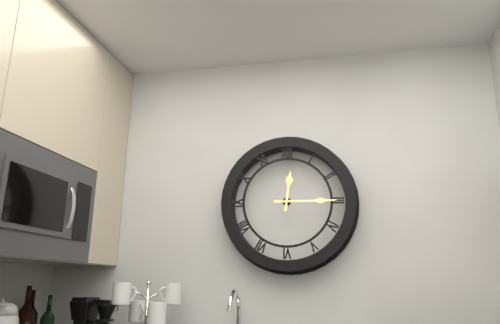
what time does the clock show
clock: 12:15
